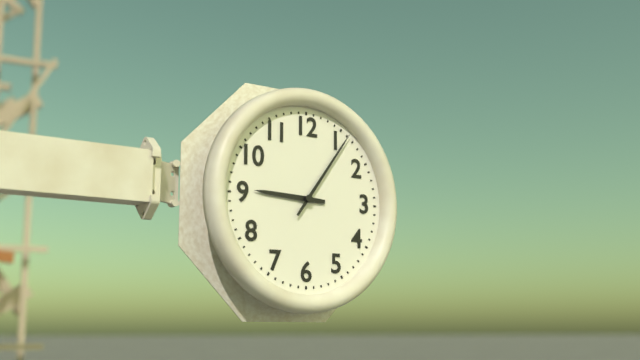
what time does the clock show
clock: 9:06
